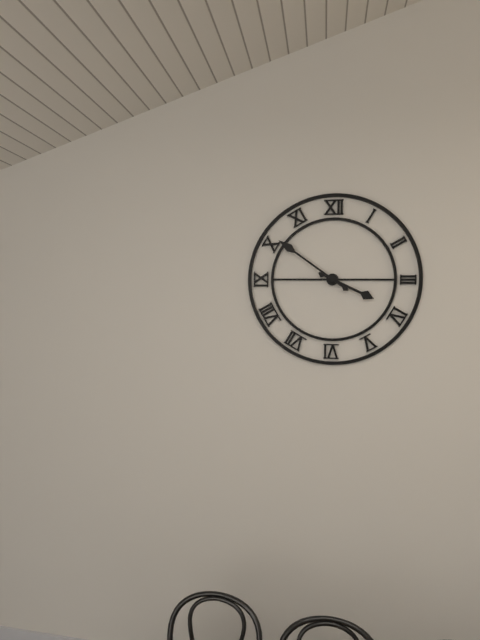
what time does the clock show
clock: 3:51
